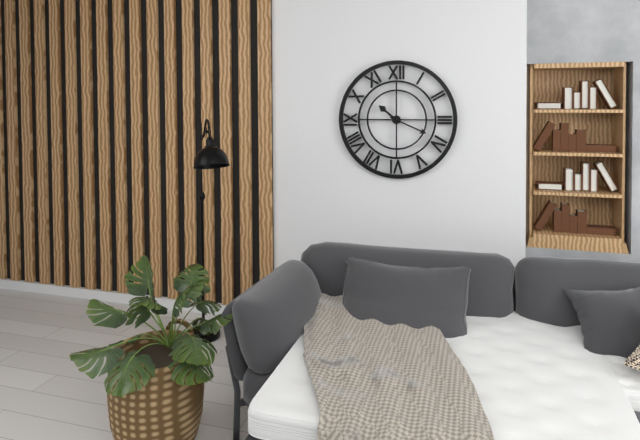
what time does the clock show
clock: 10:19
